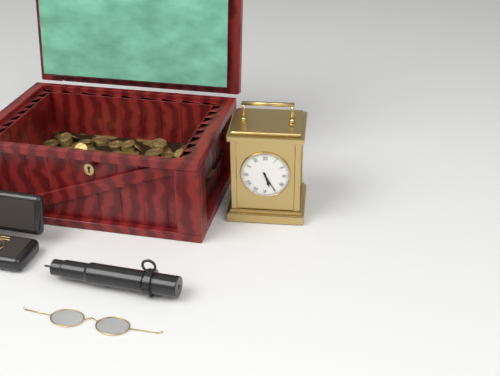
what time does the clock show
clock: 5:25
